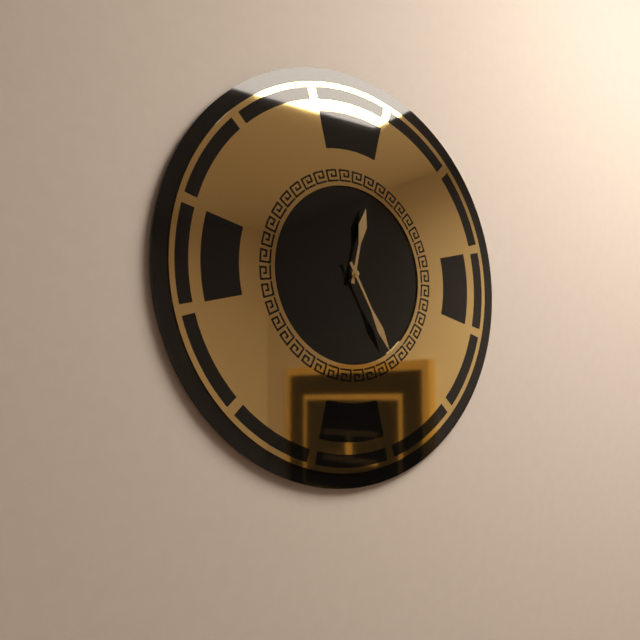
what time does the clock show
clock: 12:25
